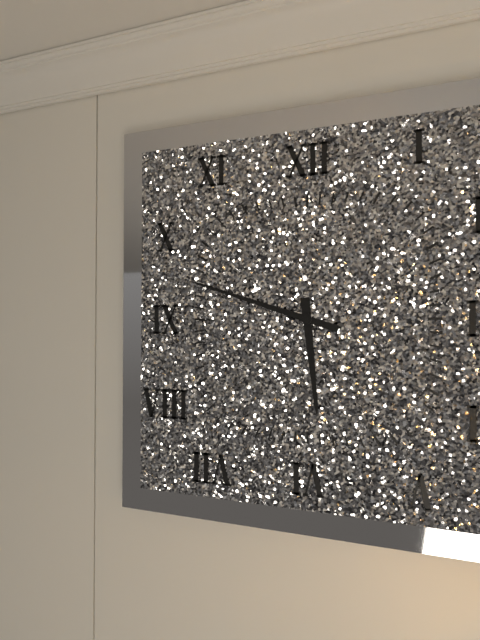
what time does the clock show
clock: 5:48
